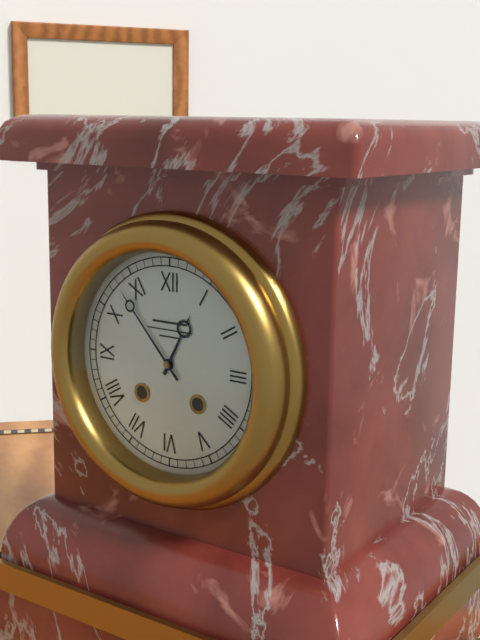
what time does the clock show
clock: 12:53
